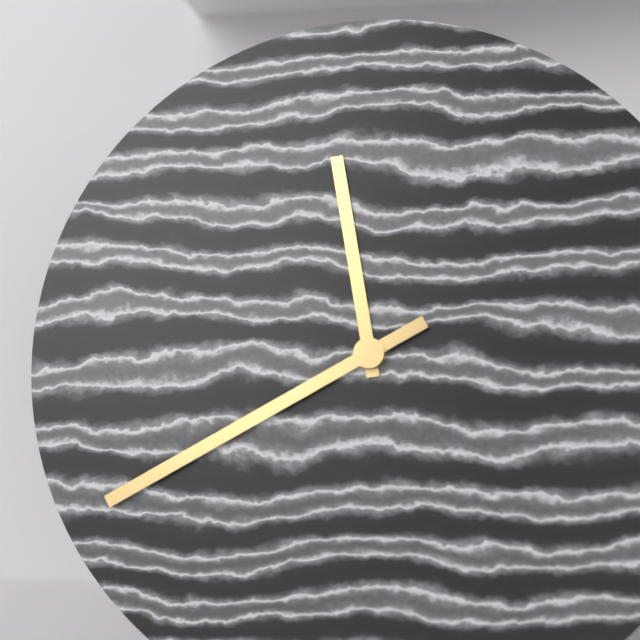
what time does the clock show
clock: 11:40
